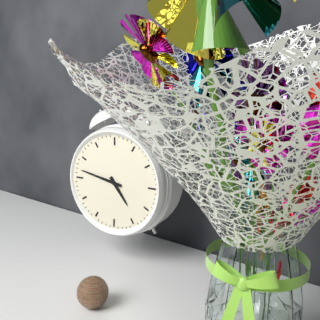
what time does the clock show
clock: 4:47
